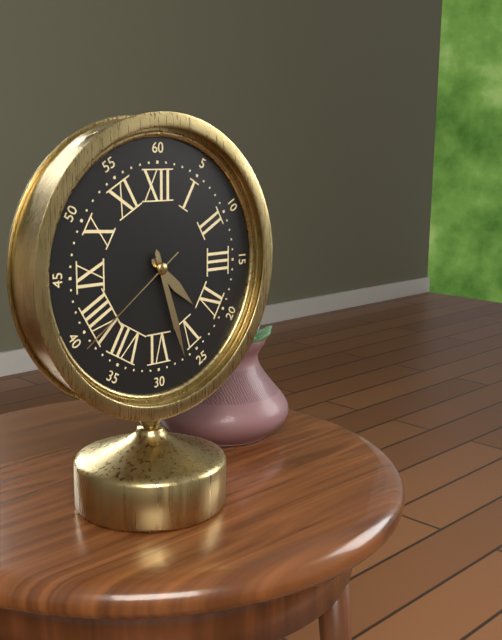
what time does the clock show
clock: 4:27:39
